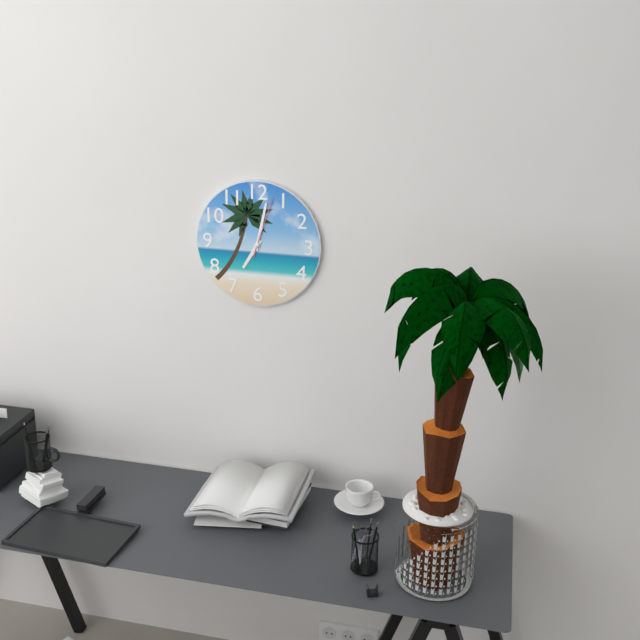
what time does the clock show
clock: 7:02:03
